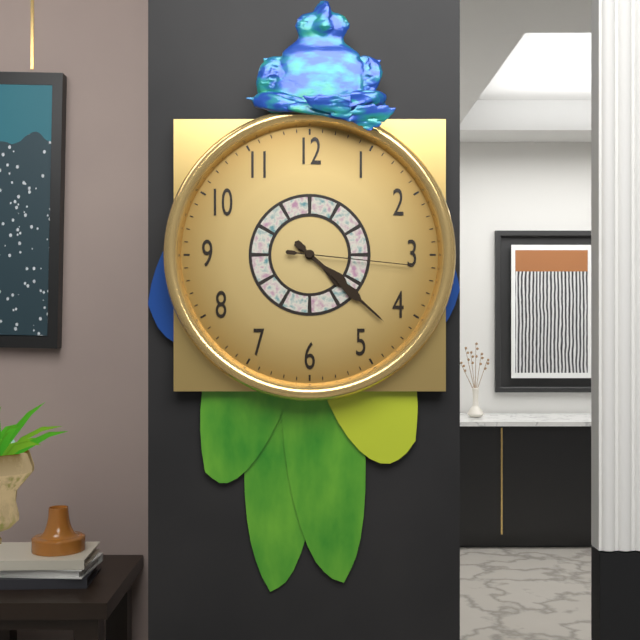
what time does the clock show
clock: 4:22:16
